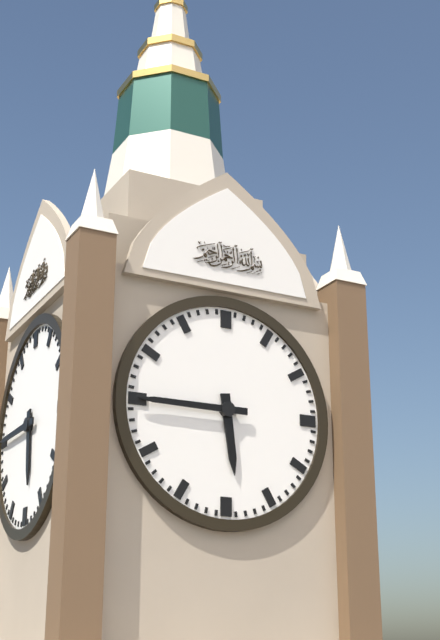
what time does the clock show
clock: 5:45
